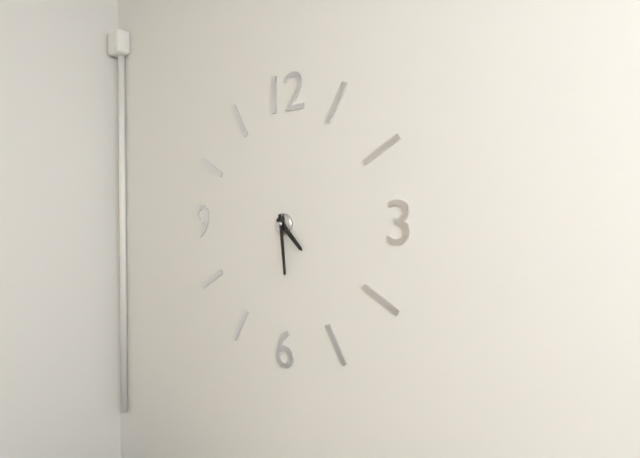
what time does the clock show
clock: 4:29
